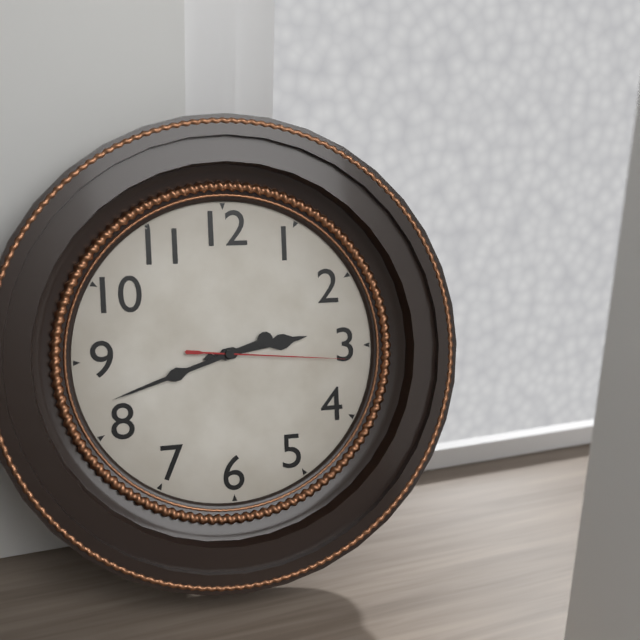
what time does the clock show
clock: 2:42:16
